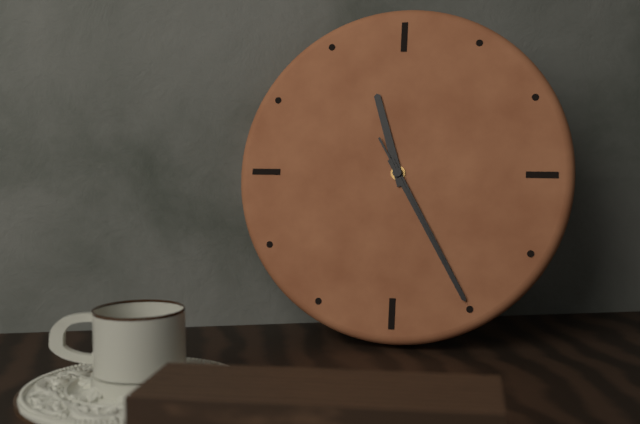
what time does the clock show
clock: 11:25:25
